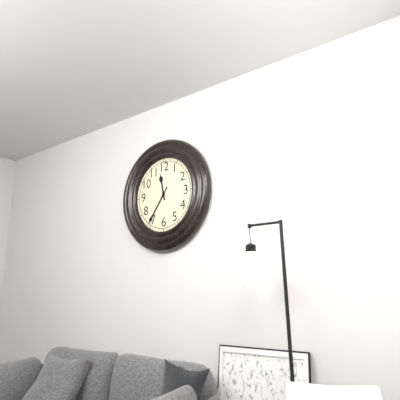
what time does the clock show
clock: 11:36
